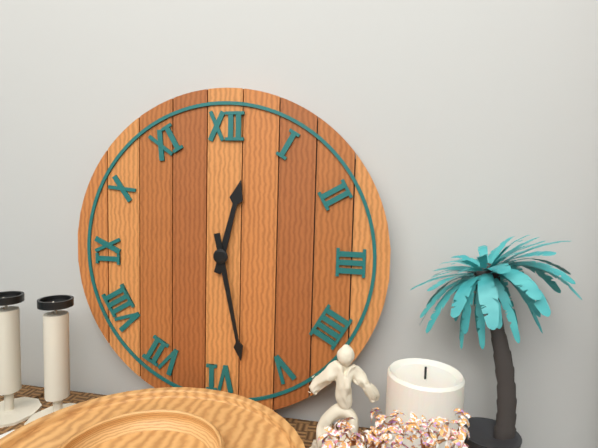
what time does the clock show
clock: 12:28
